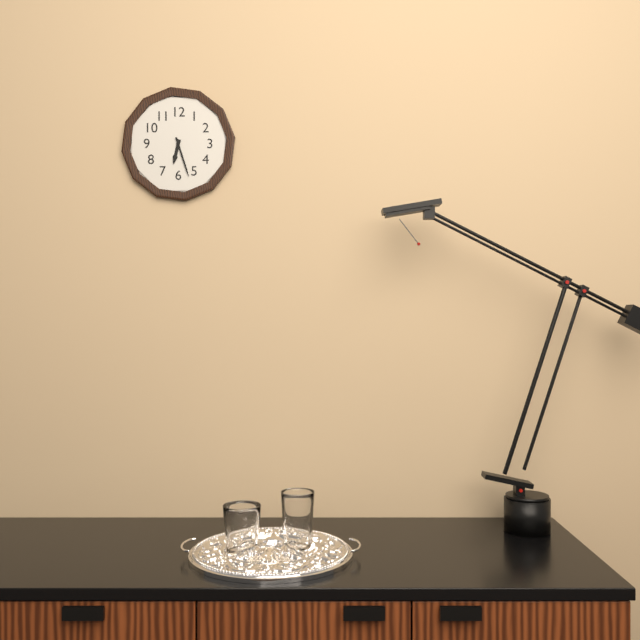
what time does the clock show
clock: 6:27
